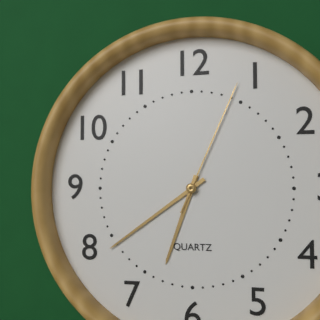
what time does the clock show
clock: 6:39:04
